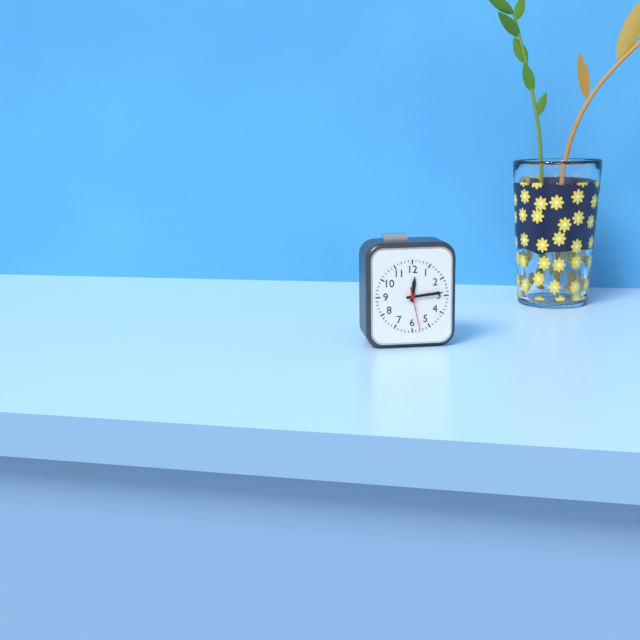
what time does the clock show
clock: 12:14
